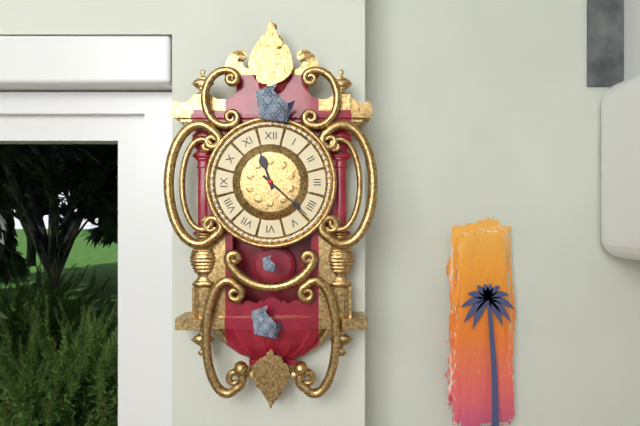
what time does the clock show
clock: 11:22
